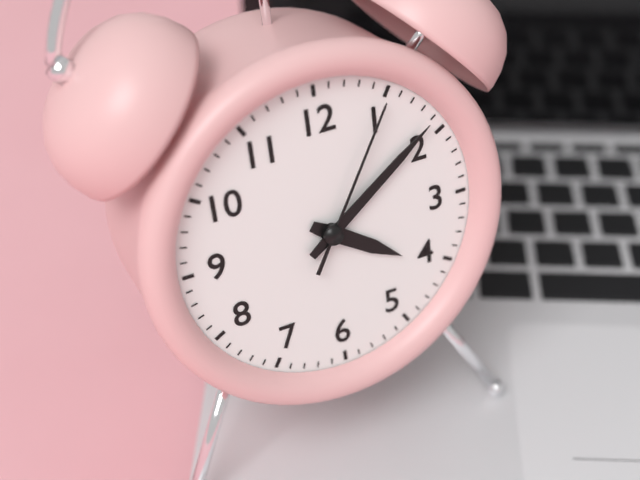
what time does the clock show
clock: 4:09:05
